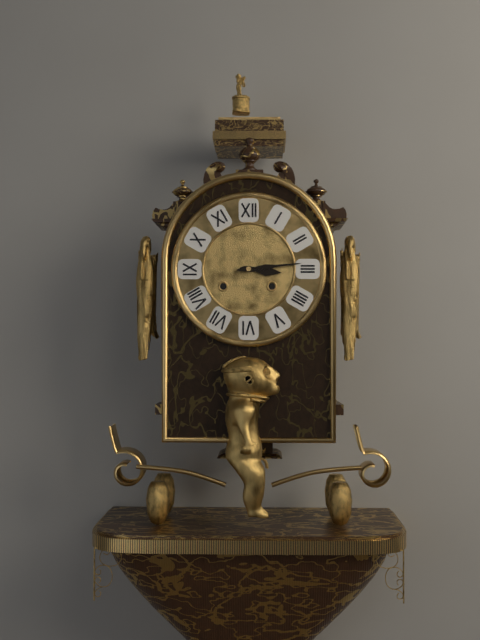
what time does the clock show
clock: 3:14
